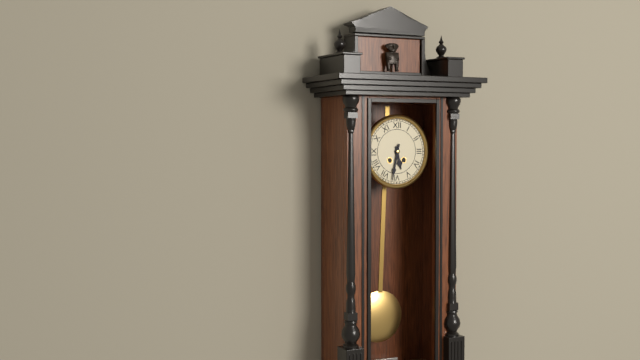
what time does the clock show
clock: 5:32
